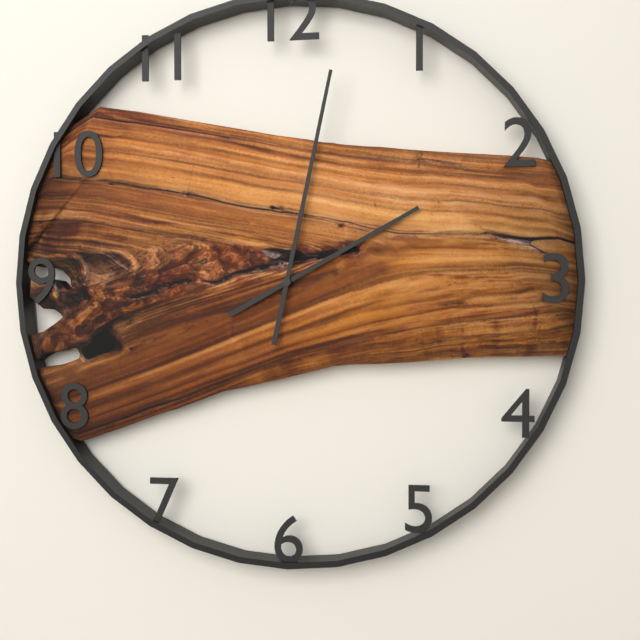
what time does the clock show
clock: 2:02
